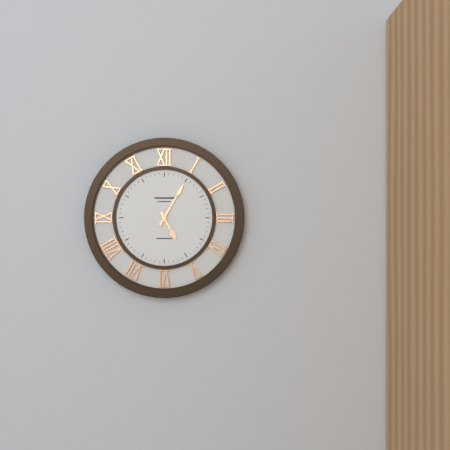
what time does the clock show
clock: 5:05
